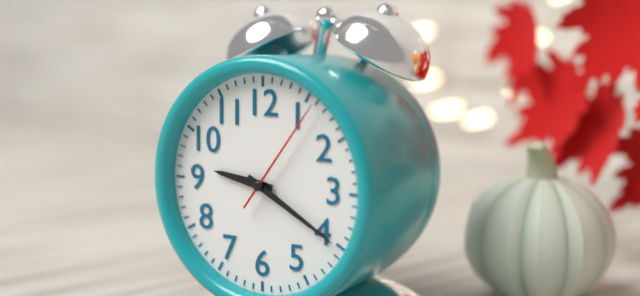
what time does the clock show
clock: 9:20:06
